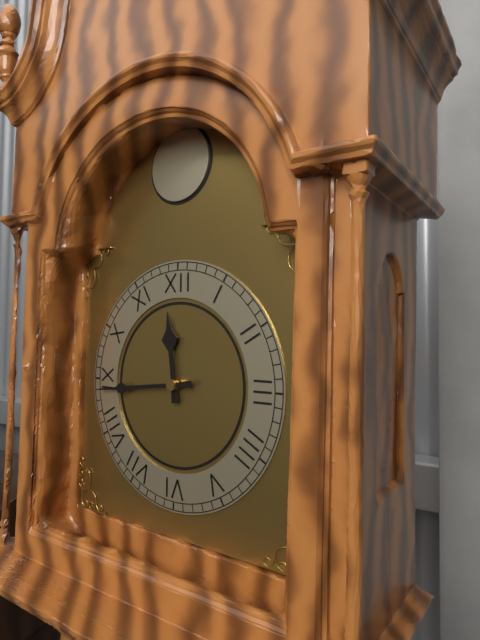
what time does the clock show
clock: 11:44
